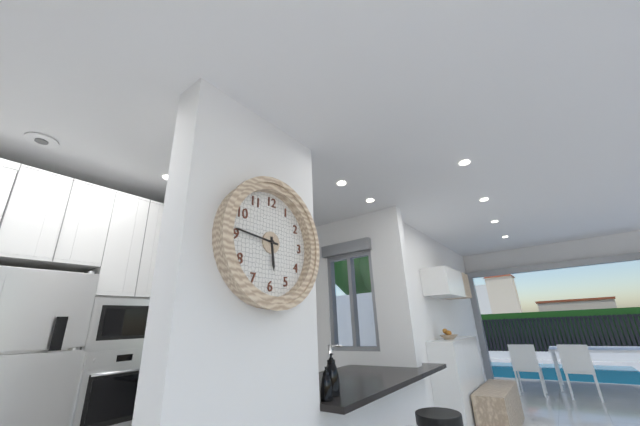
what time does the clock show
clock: 5:46
